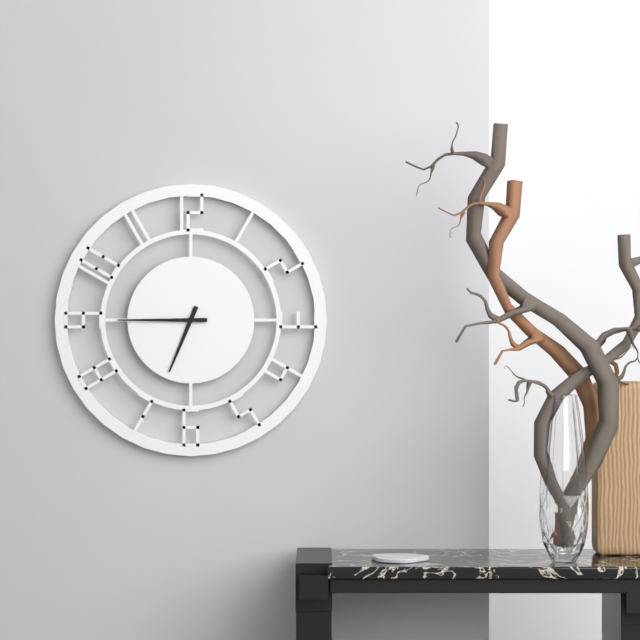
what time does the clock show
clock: 6:45
